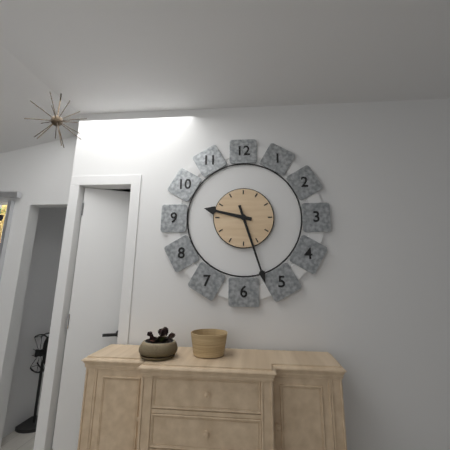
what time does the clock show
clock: 9:27
